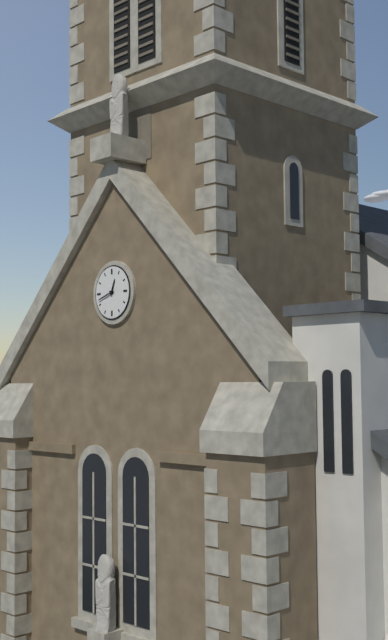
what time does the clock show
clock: 12:42
